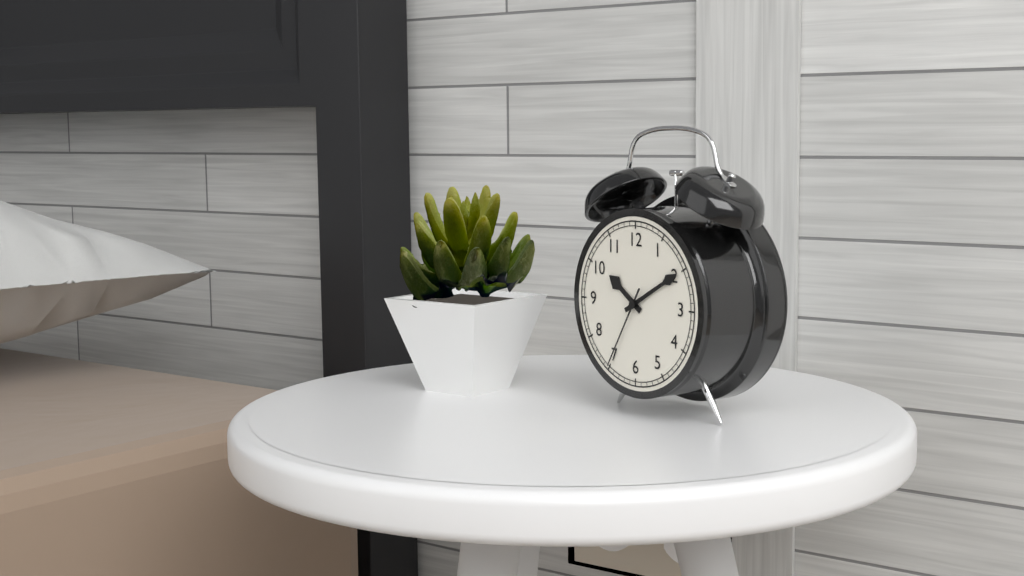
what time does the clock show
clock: 10:10:35
